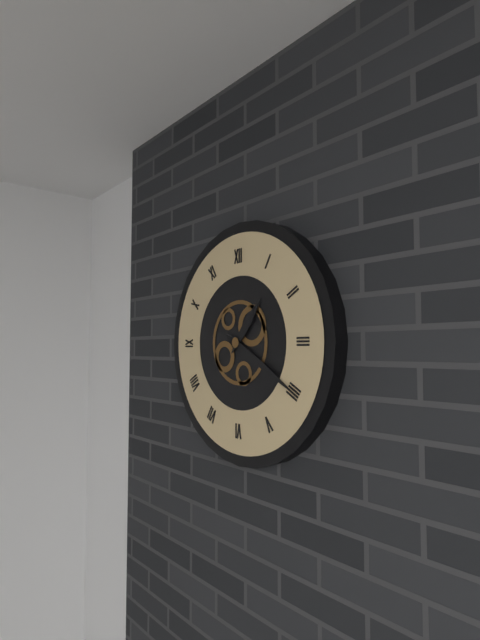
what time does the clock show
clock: 1:20
